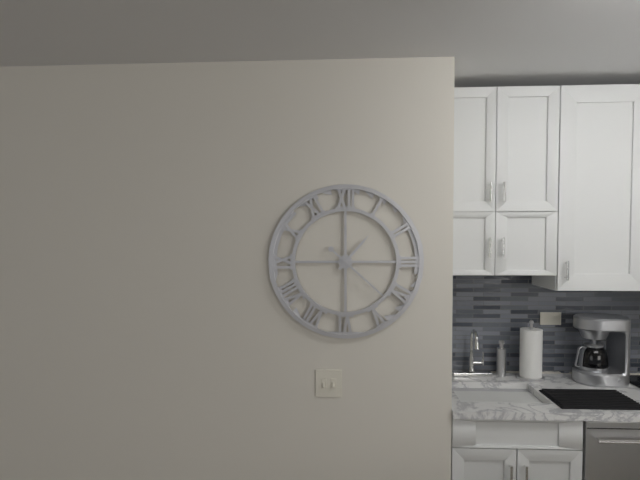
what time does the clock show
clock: 1:22
